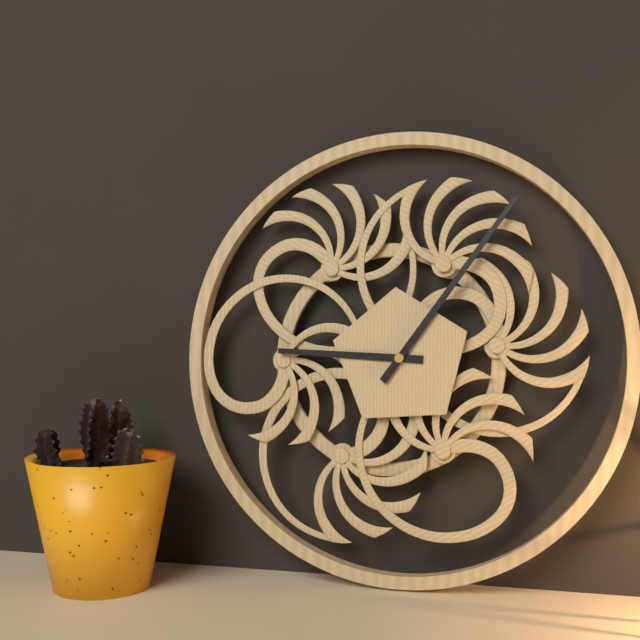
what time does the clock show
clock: 9:06
